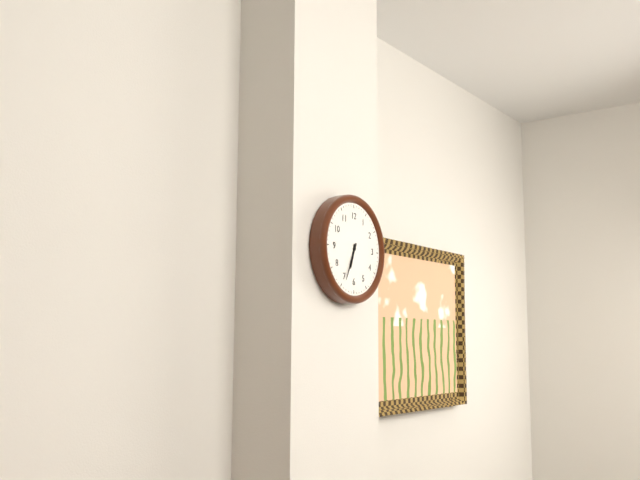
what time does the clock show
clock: 6:34
